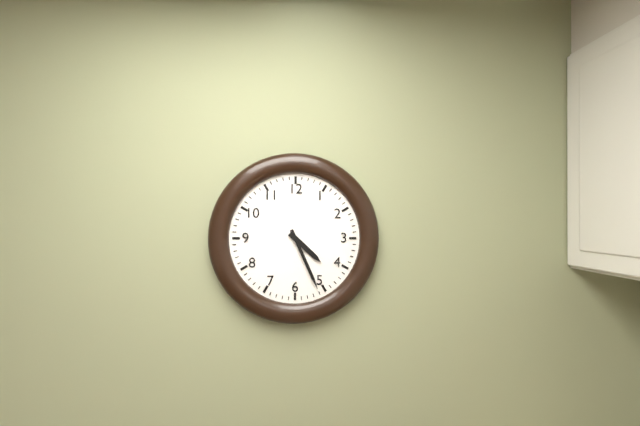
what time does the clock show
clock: 4:26
